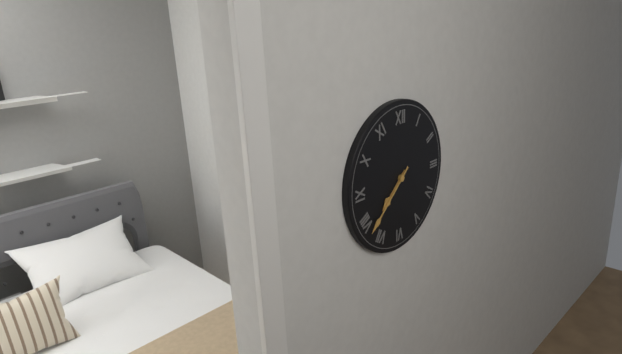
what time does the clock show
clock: 7:38
